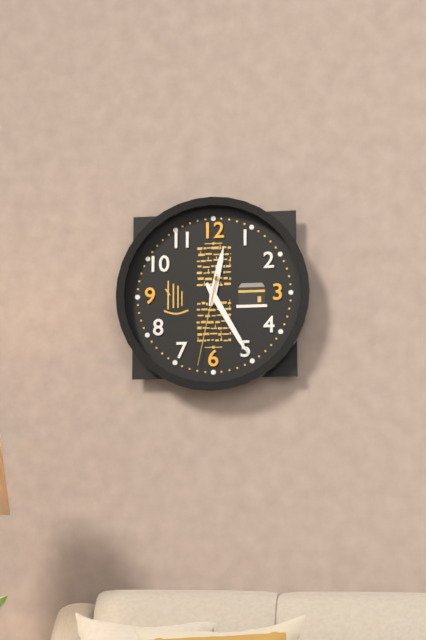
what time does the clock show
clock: 12:25:32
